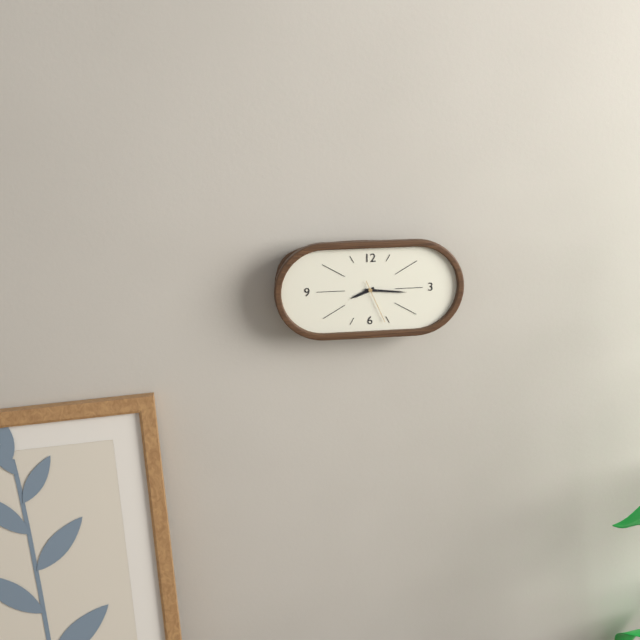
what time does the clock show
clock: 8:16
